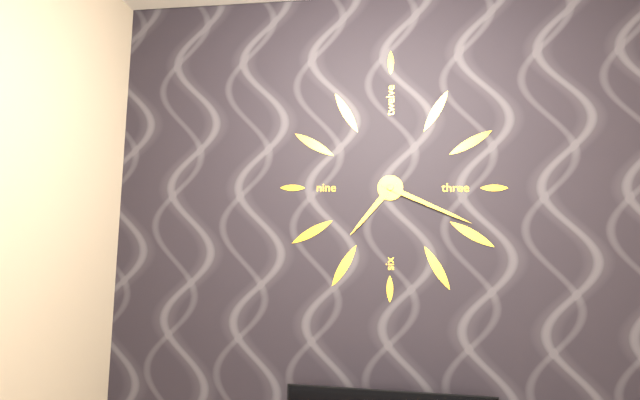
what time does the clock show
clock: 7:19
